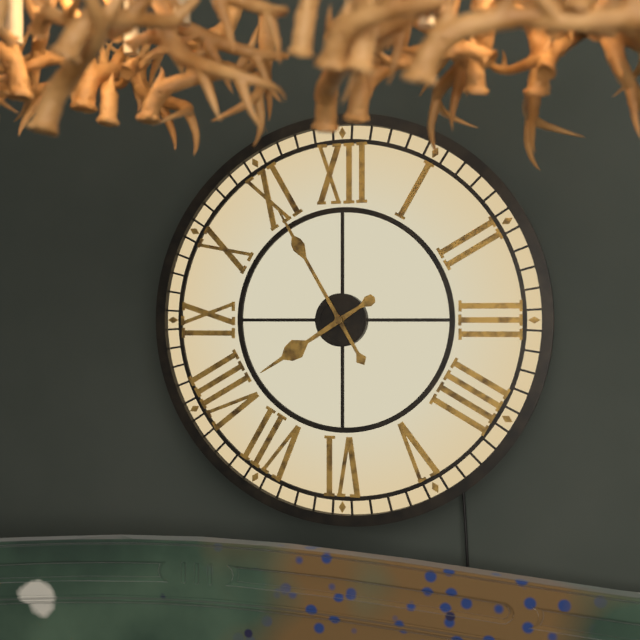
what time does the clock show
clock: 7:55
